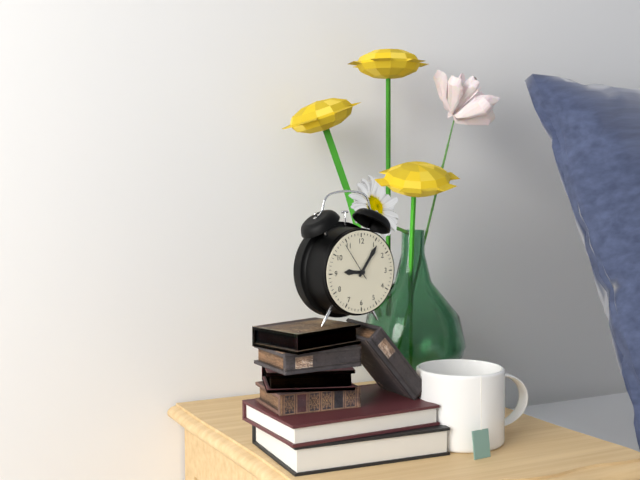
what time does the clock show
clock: 9:06
